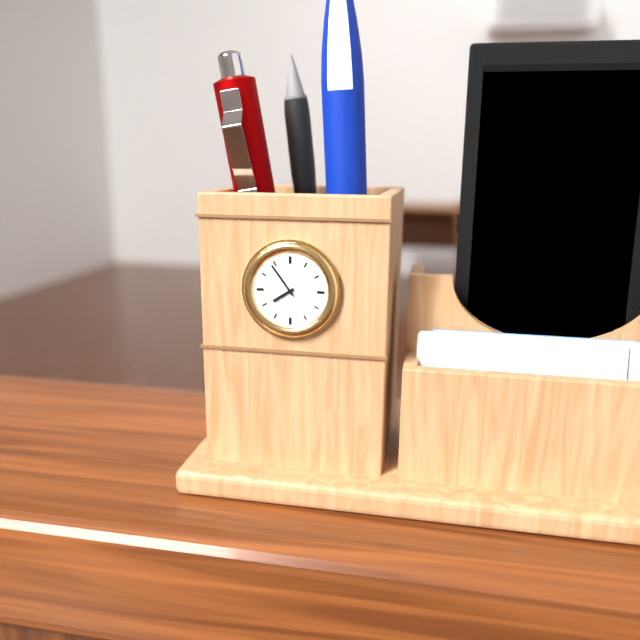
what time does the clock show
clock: 7:54
